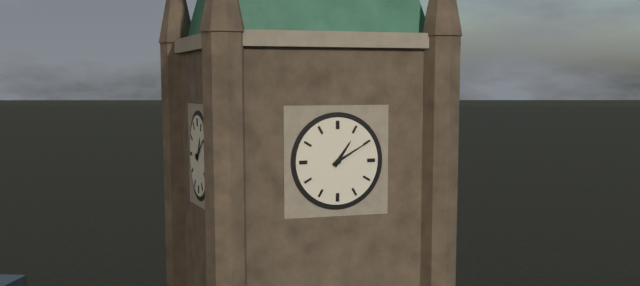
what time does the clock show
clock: 1:10
